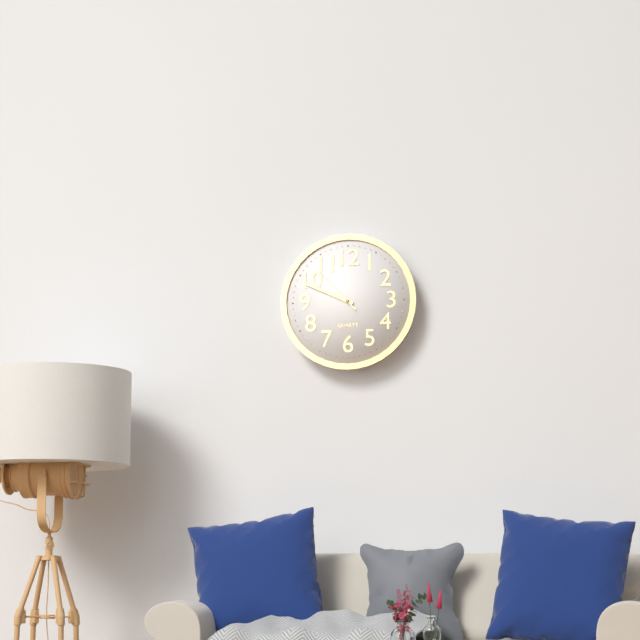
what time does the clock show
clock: 9:49:53
